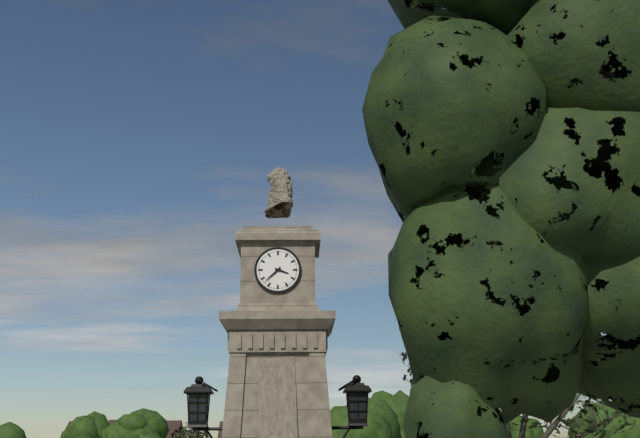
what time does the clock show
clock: 3:38
